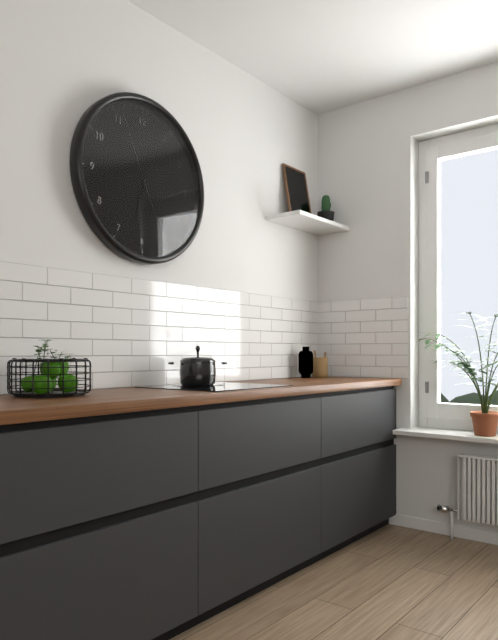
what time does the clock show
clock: 6:25:56
